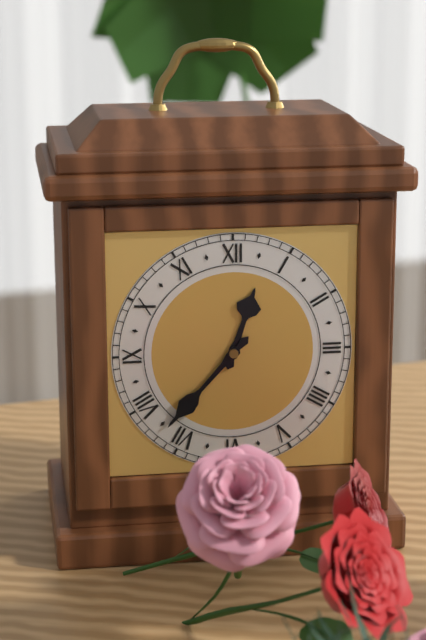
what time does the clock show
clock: 12:37
